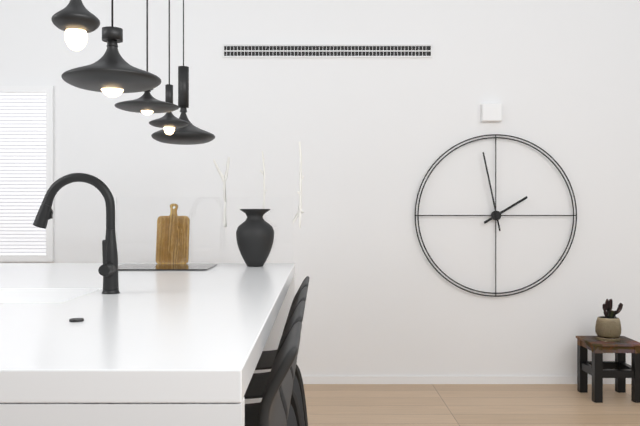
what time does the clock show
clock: 1:58
